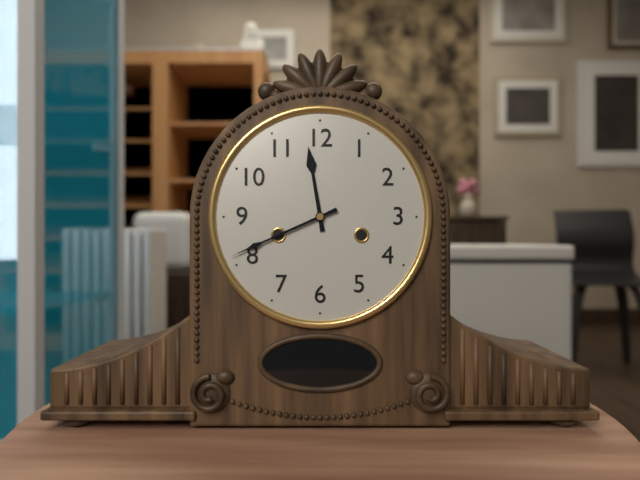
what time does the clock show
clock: 11:41
